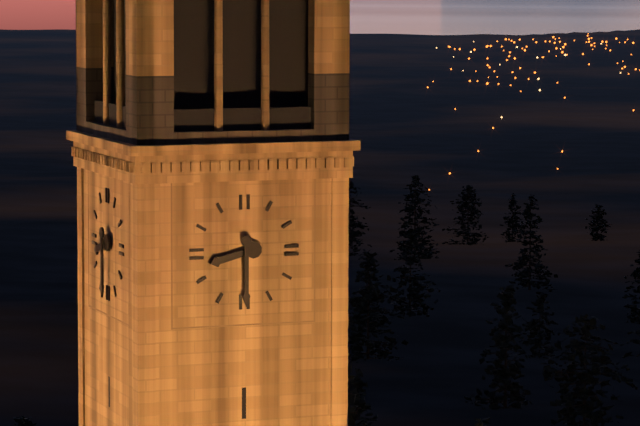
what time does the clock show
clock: 8:30
